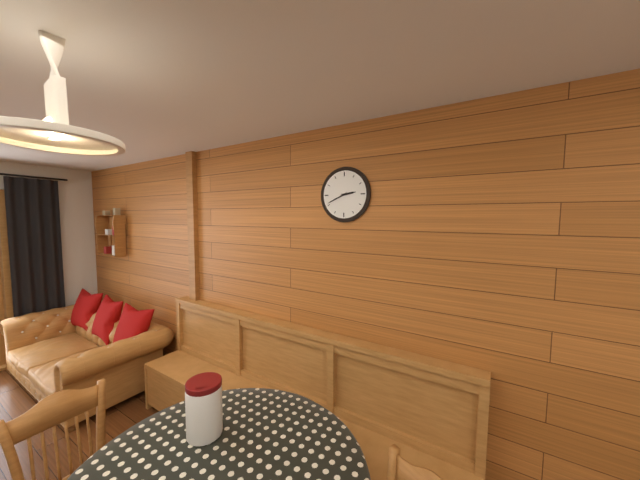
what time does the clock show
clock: 2:41
